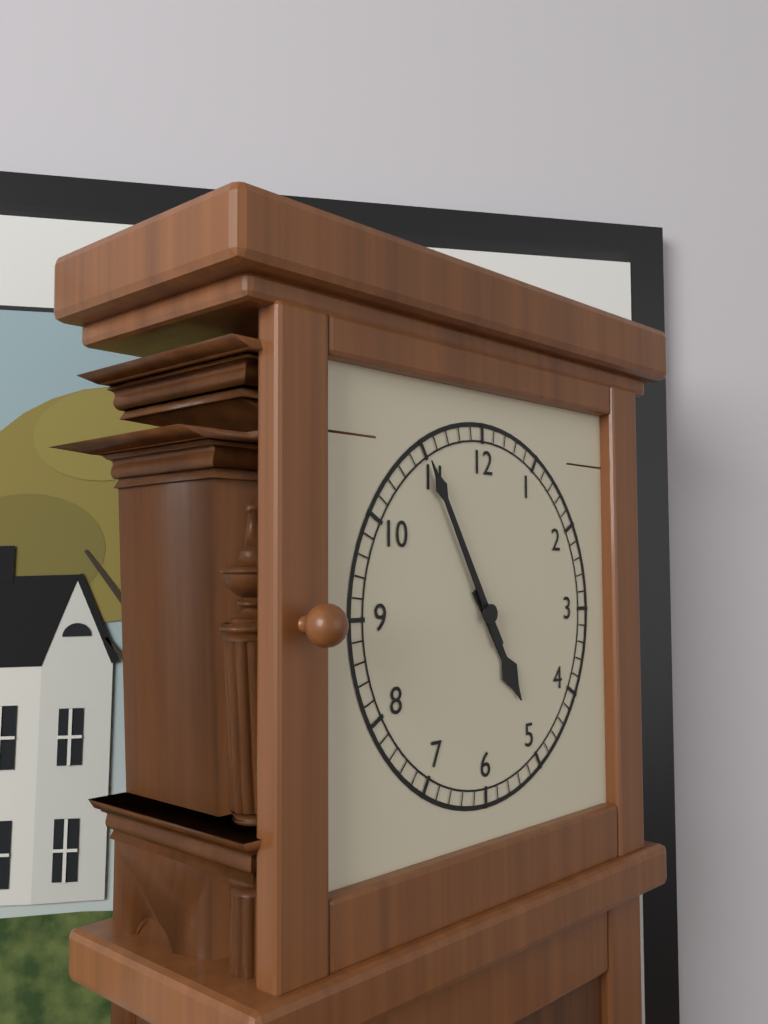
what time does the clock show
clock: 4:55
